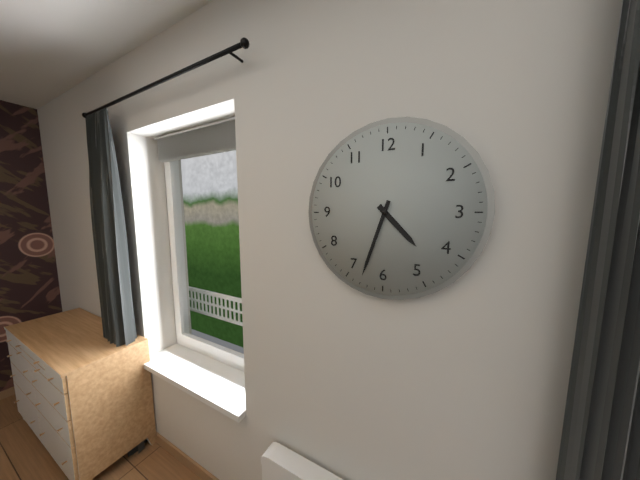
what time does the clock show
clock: 4:33
